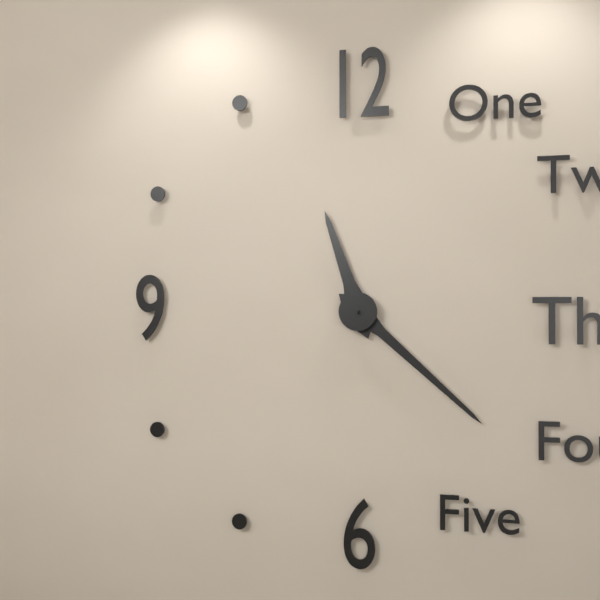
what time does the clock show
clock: 11:22
